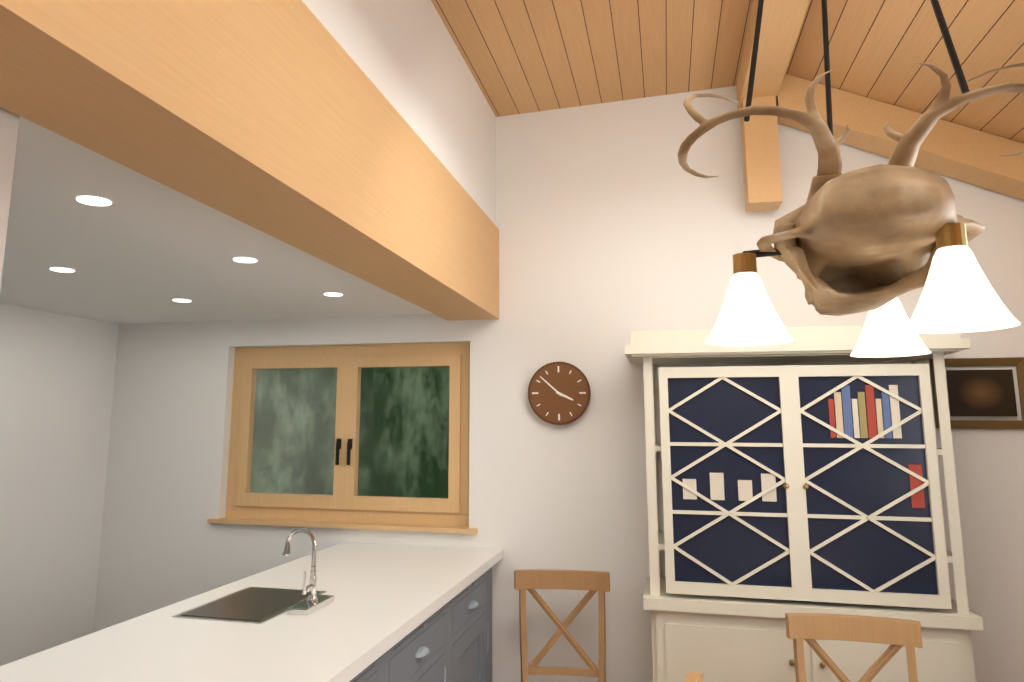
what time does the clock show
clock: 3:52
